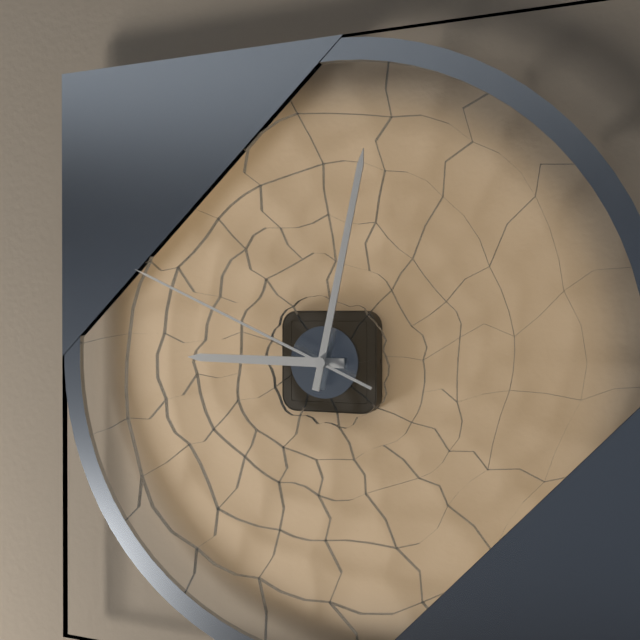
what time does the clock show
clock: 9:02:49
